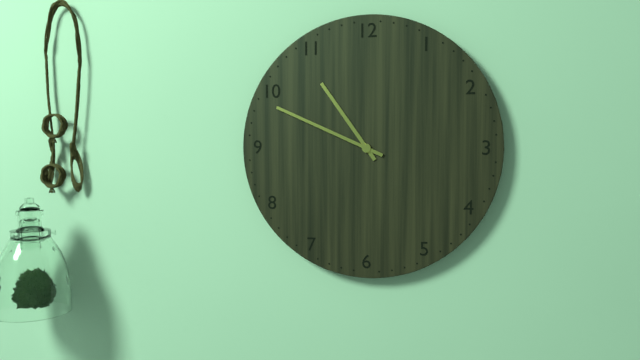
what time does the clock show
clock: 10:49
